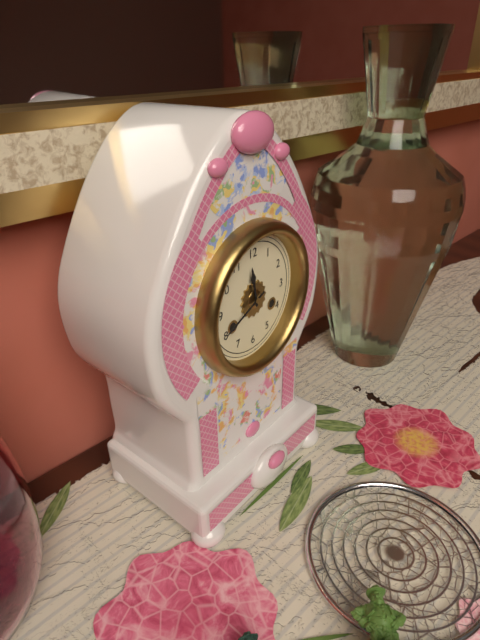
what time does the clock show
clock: 11:41
